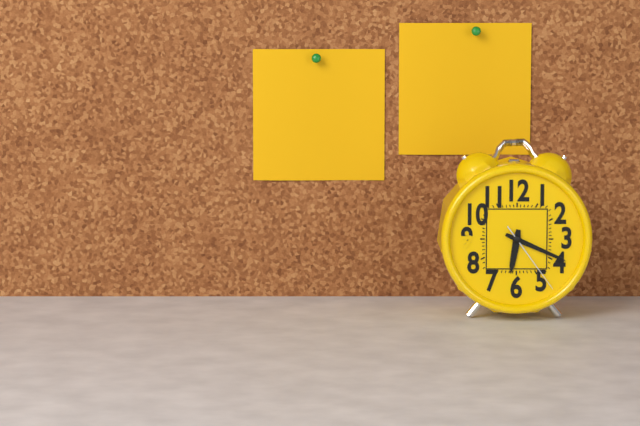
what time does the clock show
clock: 6:19:24
